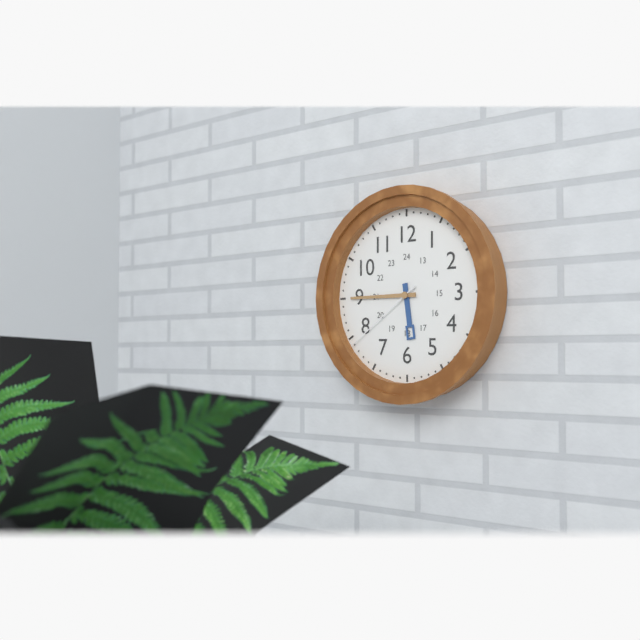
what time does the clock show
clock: 5:45:39
